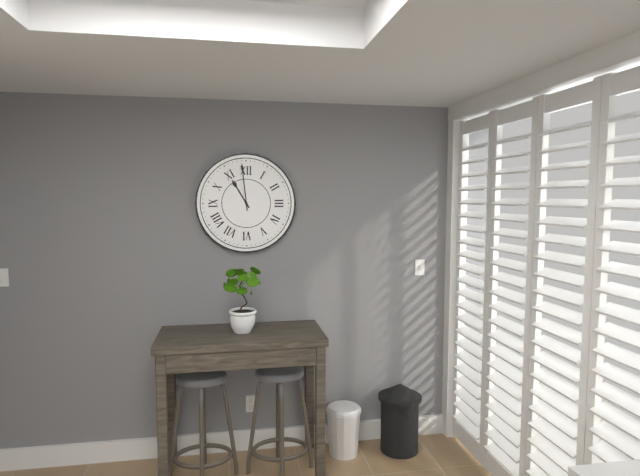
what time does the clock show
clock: 10:59
